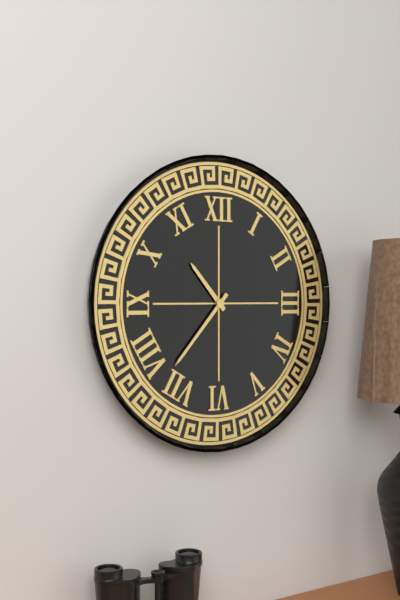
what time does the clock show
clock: 10:37
